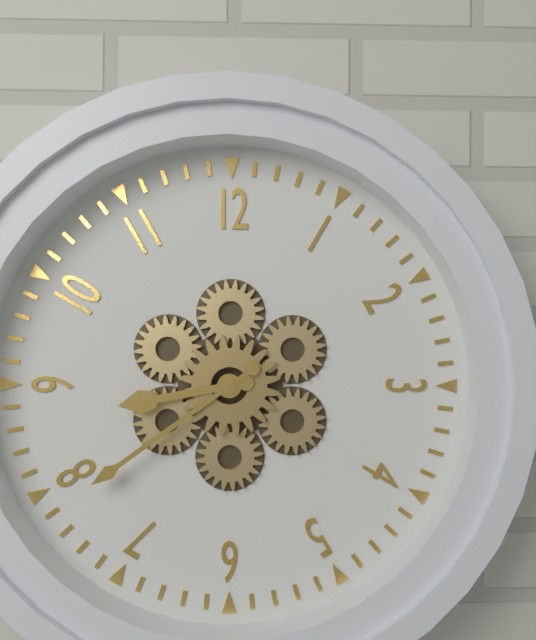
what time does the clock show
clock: 8:39
